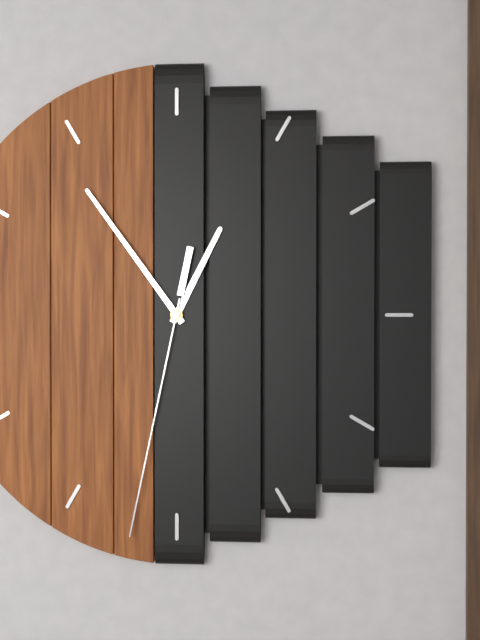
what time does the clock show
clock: 12:54:32
